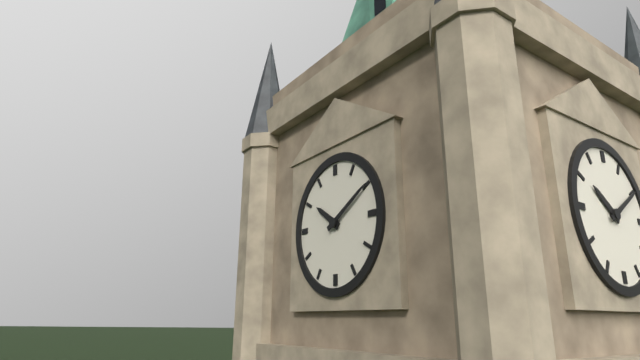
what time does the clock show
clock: 10:10
